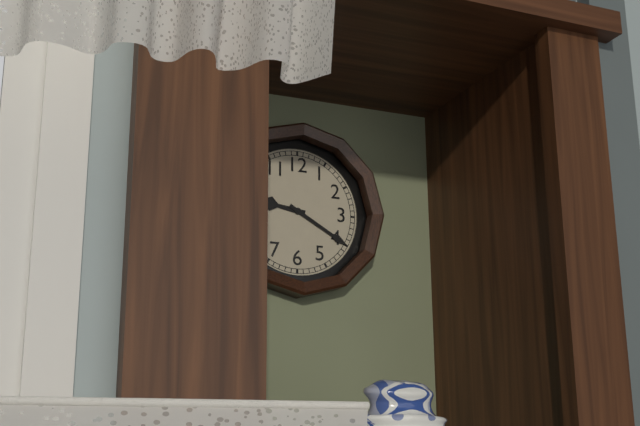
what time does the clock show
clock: 9:20
